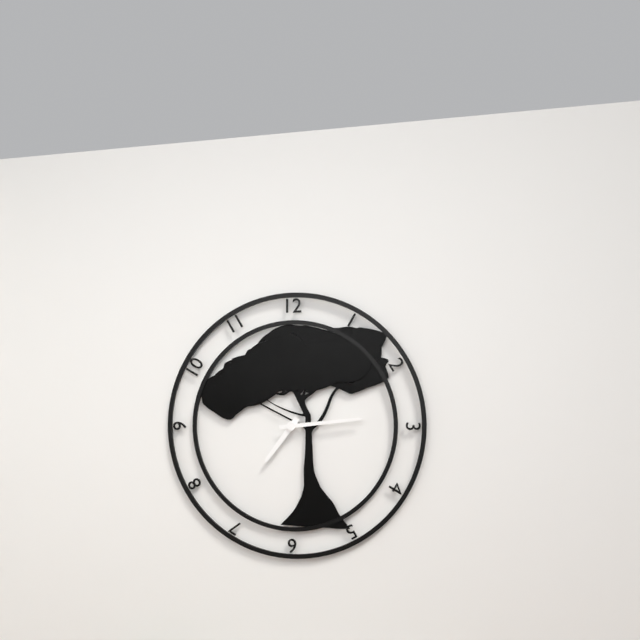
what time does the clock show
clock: 7:14
